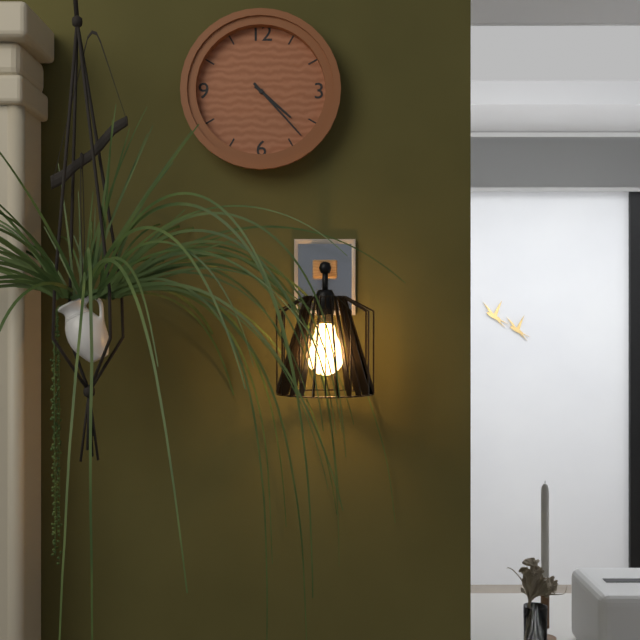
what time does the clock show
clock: 4:23
